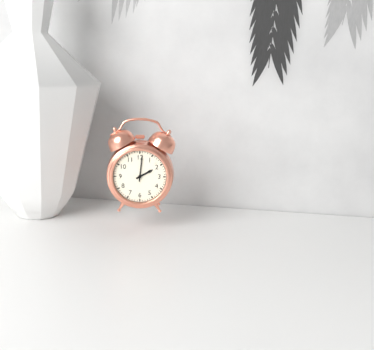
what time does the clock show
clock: 2:01
